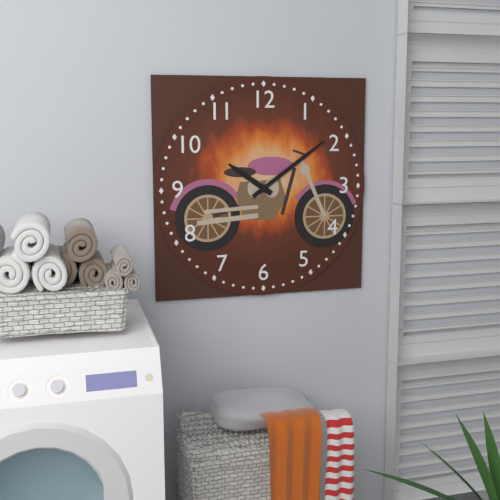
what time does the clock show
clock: 10:09
